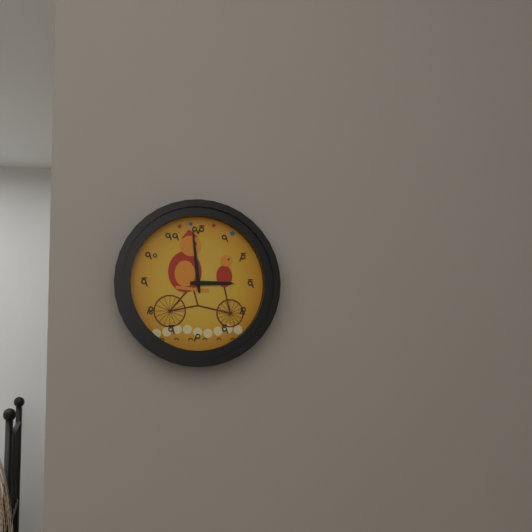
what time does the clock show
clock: 2:59
